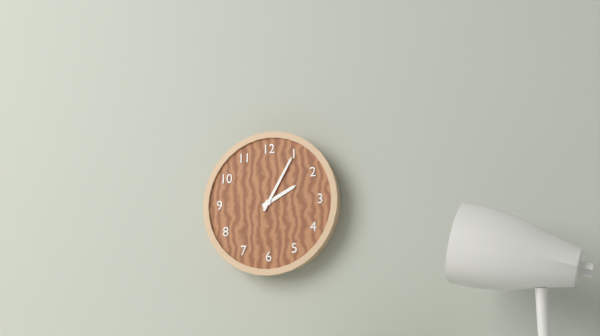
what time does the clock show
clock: 2:05
